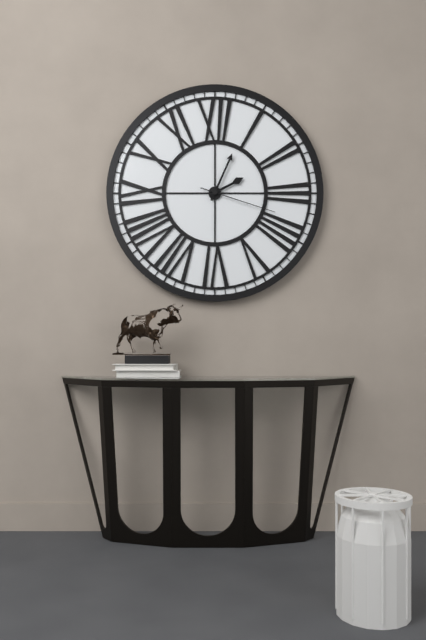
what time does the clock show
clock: 2:04:18
